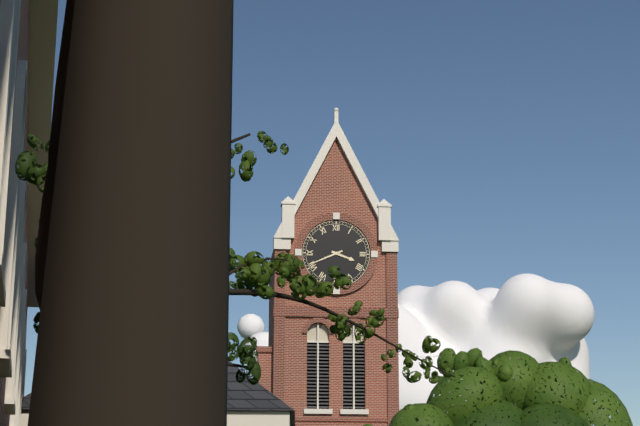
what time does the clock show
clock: 3:41
